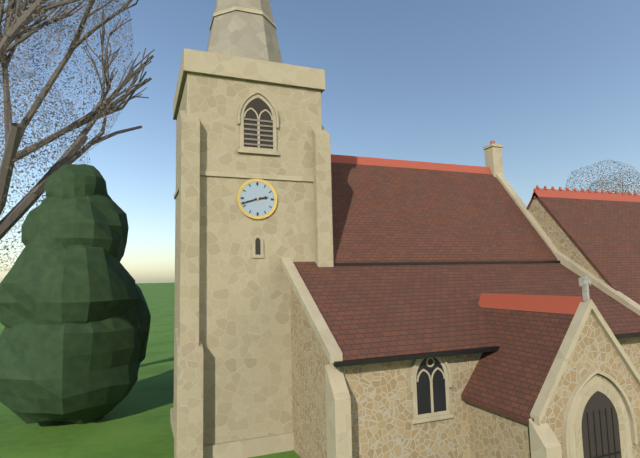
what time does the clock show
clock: 2:42
